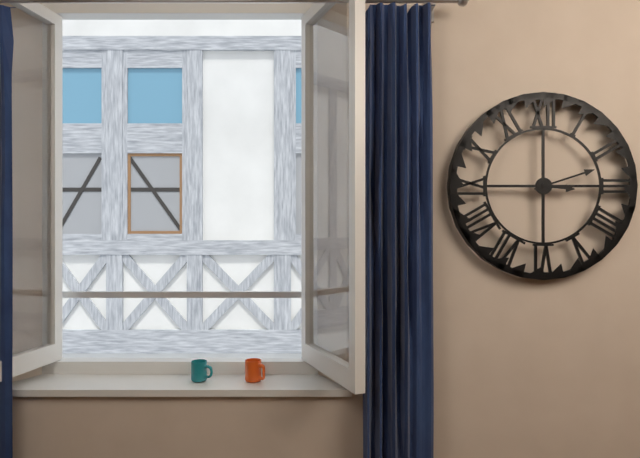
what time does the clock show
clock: 3:12
